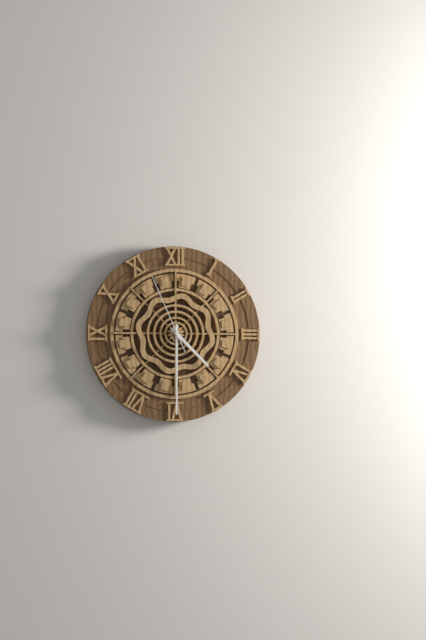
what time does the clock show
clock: 4:30:56
